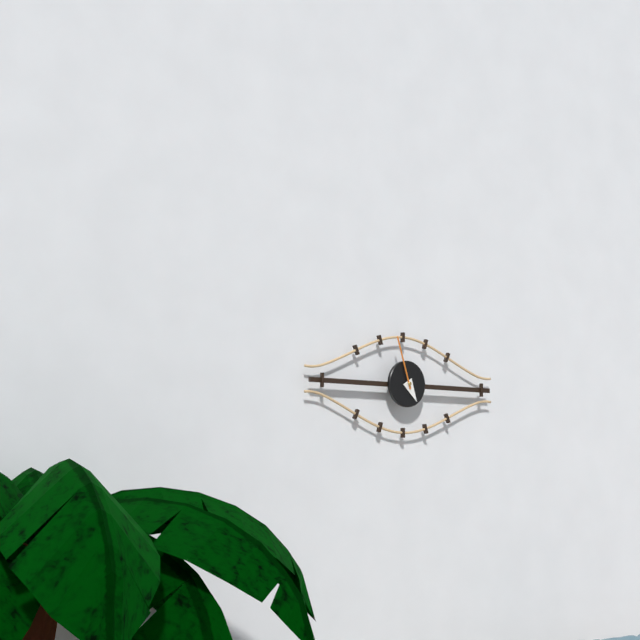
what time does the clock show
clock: 4:57
